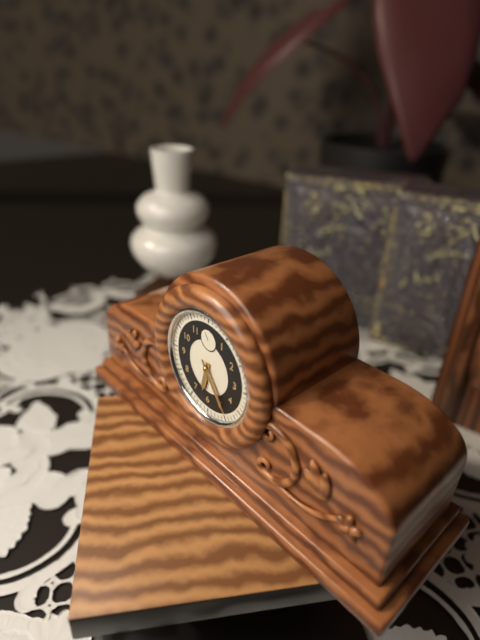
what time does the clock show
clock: 6:24
